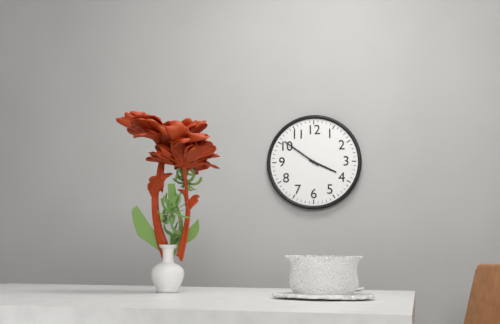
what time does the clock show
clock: 3:51
